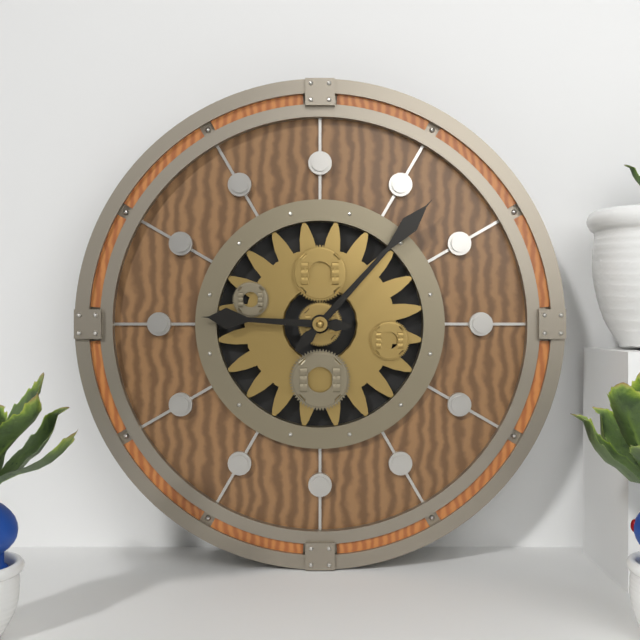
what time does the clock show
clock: 9:07
